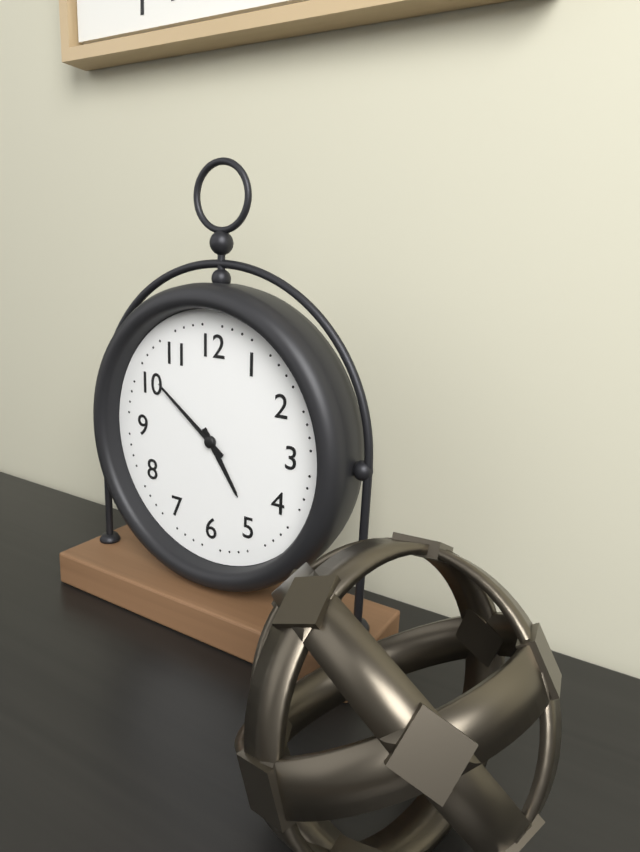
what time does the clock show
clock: 4:51
